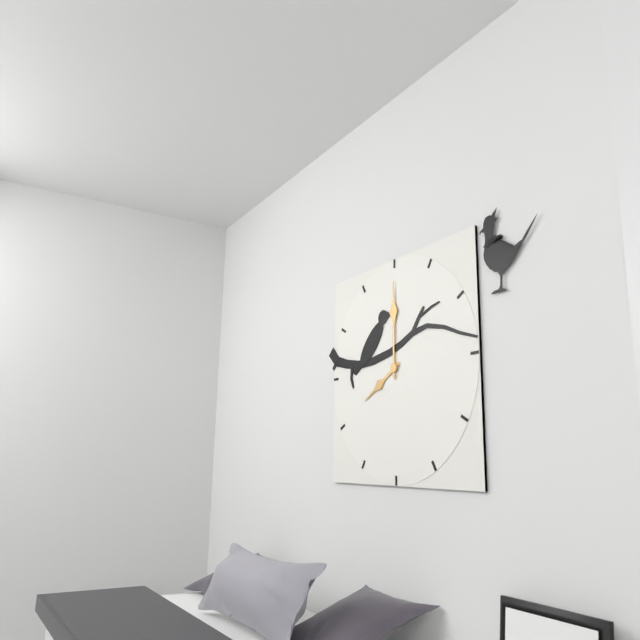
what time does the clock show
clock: 8:00
